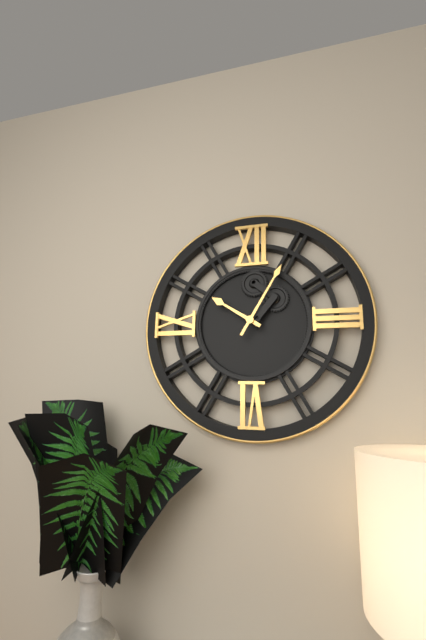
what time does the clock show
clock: 10:05
